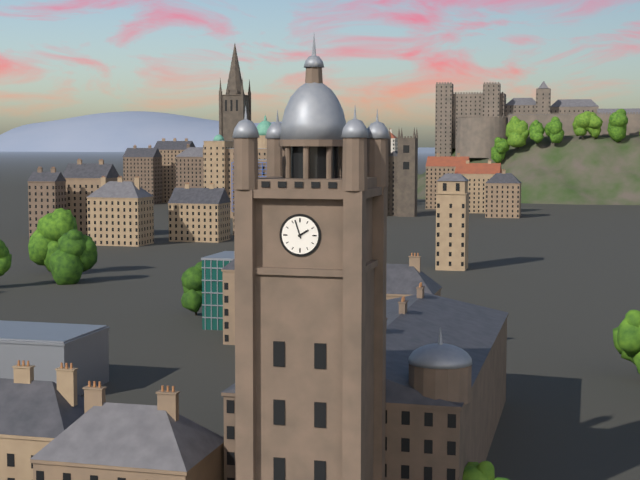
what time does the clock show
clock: 1:57
